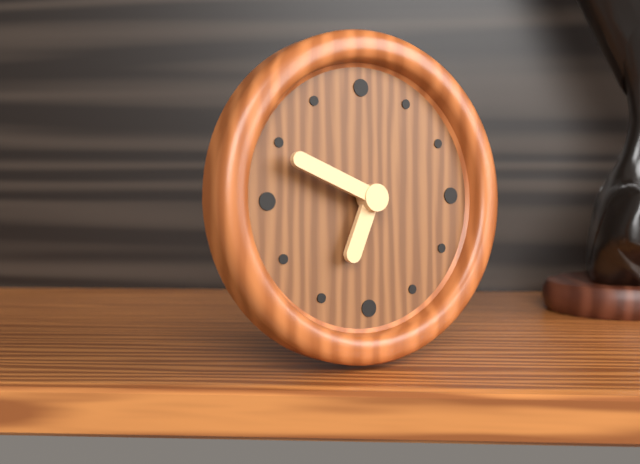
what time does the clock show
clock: 6:49
